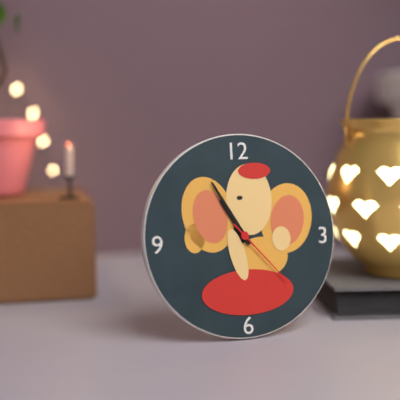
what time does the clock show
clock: 10:55:23
